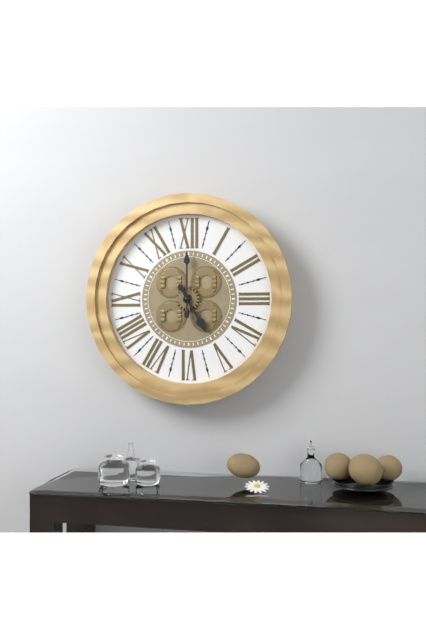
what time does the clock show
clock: 5:00
